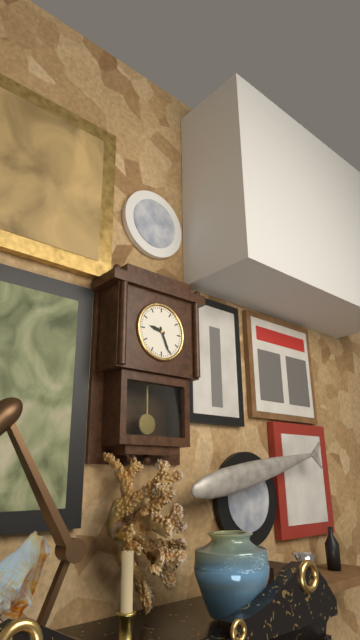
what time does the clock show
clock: 9:26
